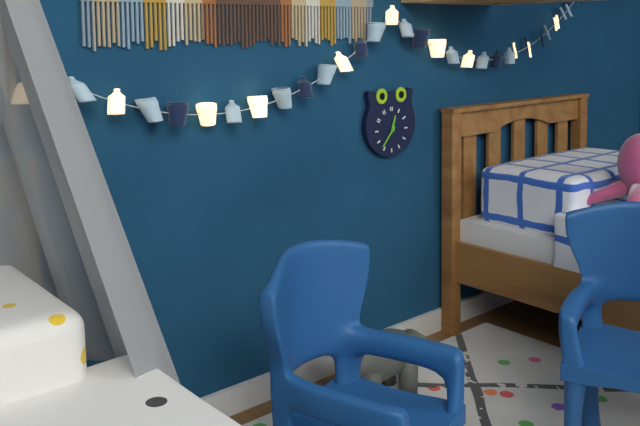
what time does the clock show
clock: 12:37
